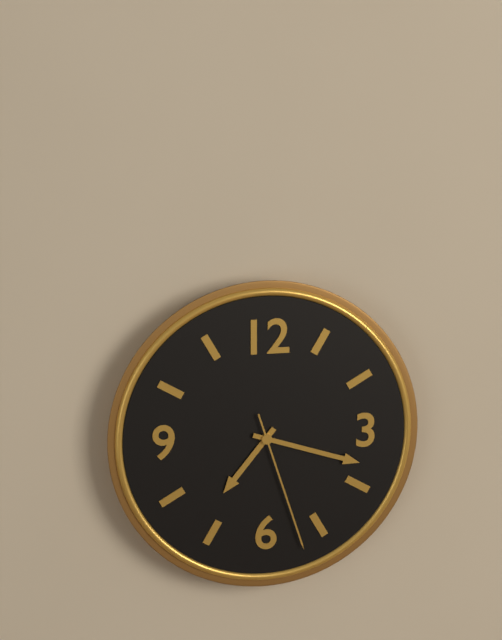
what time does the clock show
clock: 7:18:27
